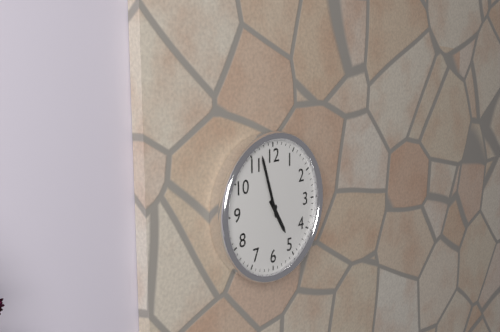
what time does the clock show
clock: 4:57
